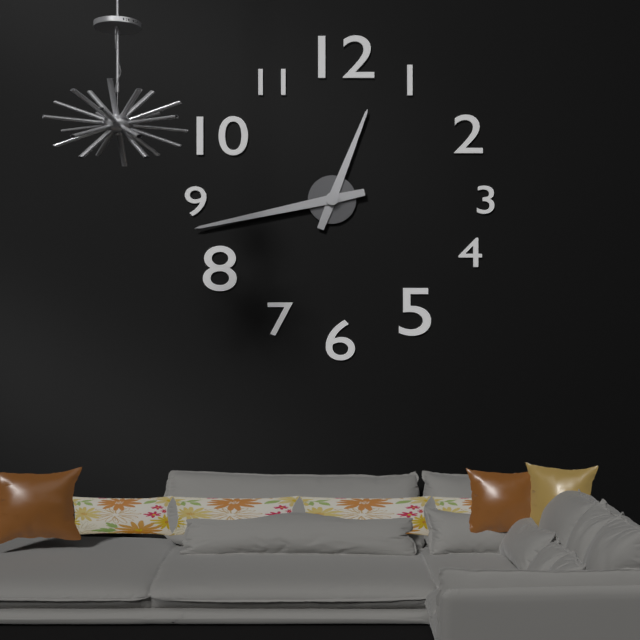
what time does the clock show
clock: 12:43
